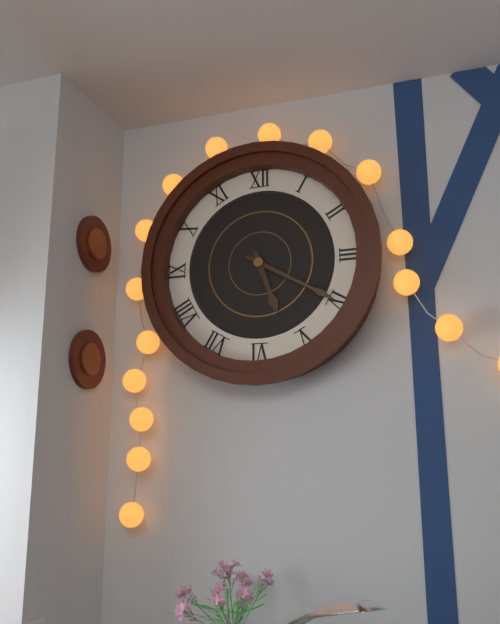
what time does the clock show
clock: 5:20
